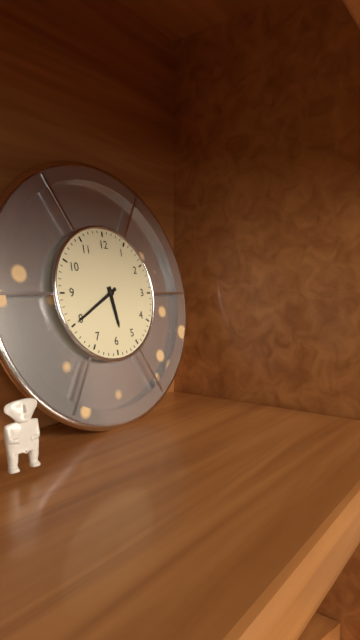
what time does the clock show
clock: 5:40
